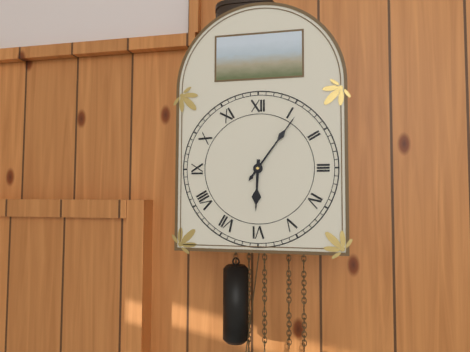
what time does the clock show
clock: 6:06
